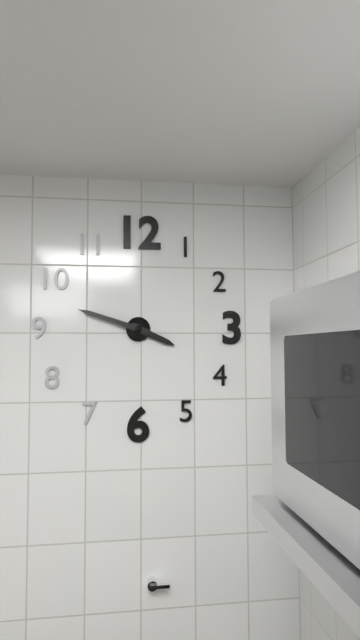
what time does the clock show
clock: 3:48
